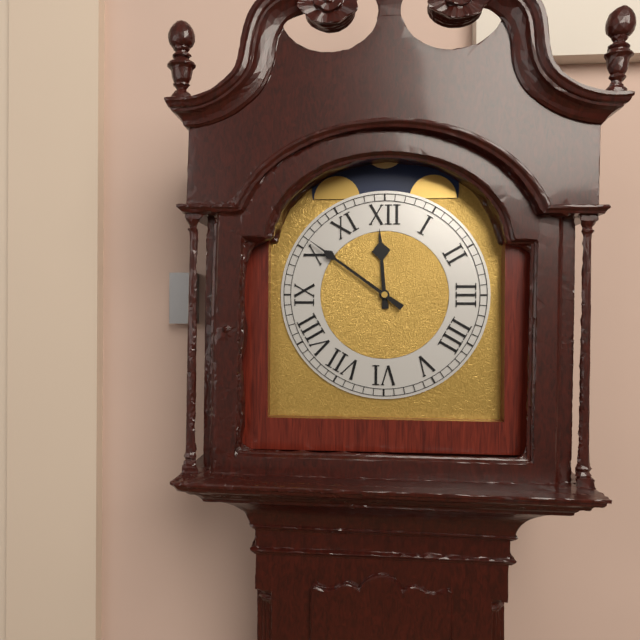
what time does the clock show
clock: 11:51
